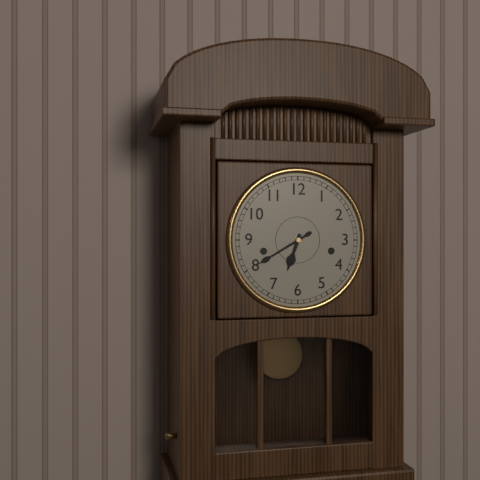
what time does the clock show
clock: 6:40
